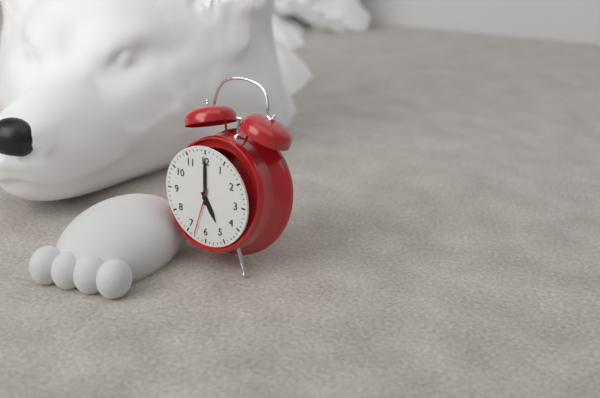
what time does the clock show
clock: 5:00:33
